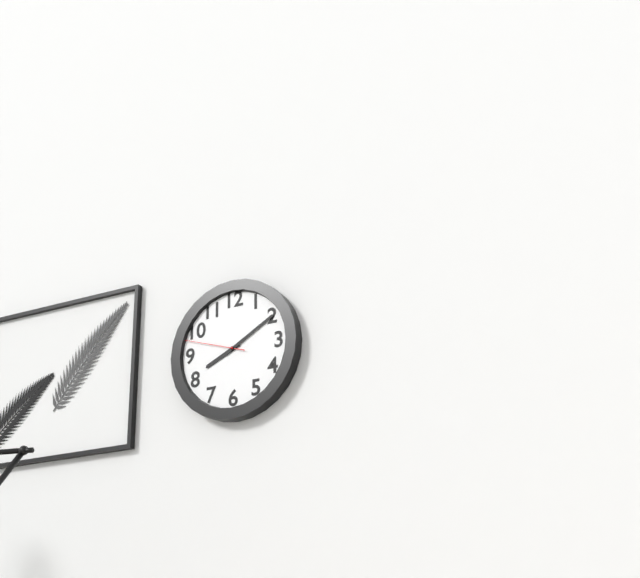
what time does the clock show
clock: 8:10:48
